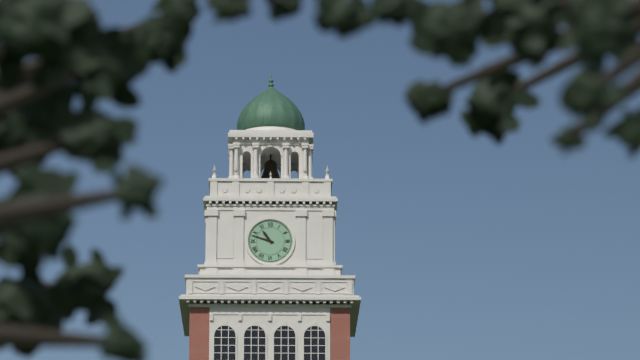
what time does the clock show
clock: 10:48
